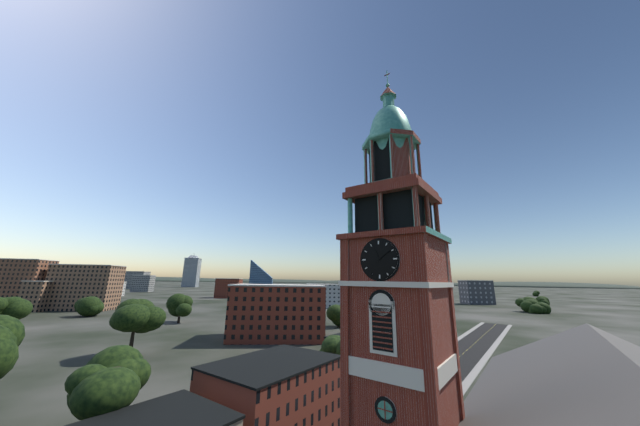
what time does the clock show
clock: 11:09
